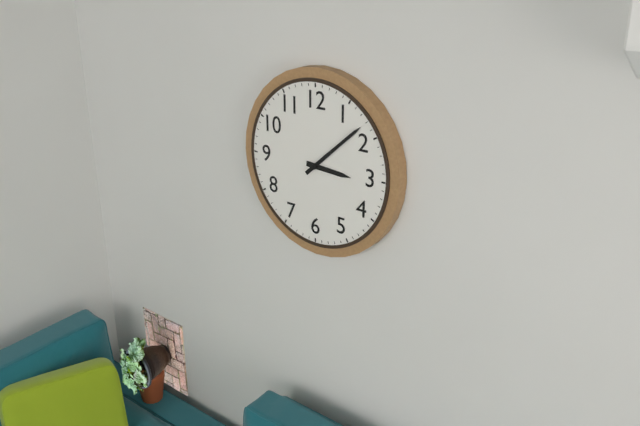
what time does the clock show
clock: 3:08
